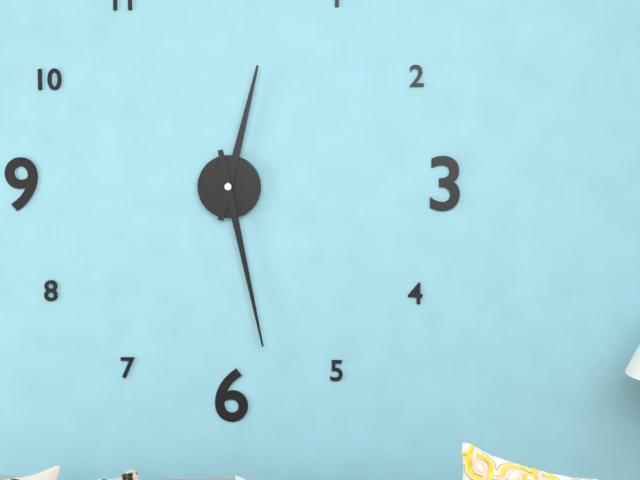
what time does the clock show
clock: 12:28
